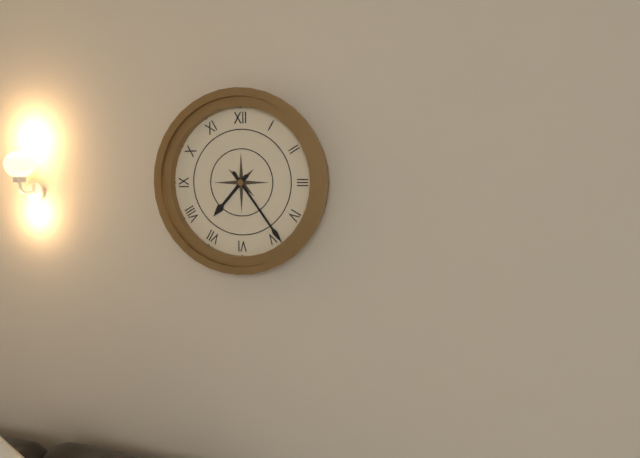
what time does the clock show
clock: 7:24
